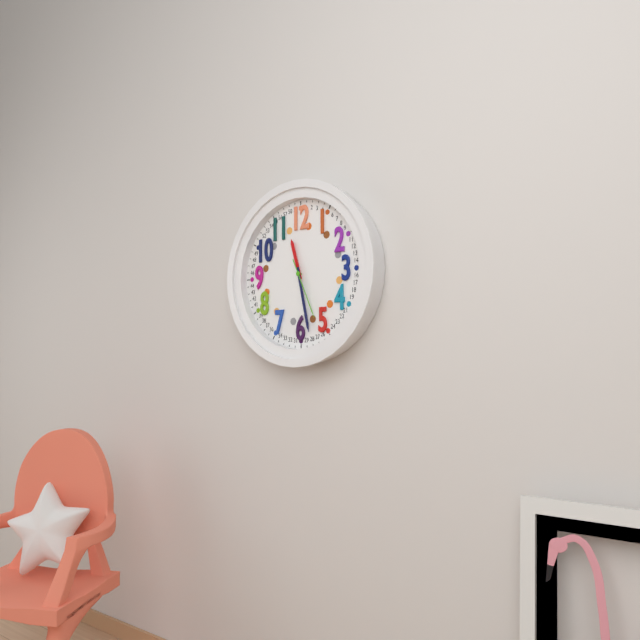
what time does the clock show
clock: 11:28:26
